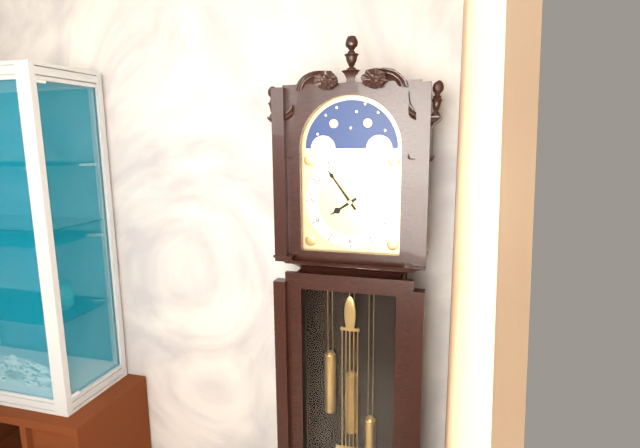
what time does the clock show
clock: 7:54
